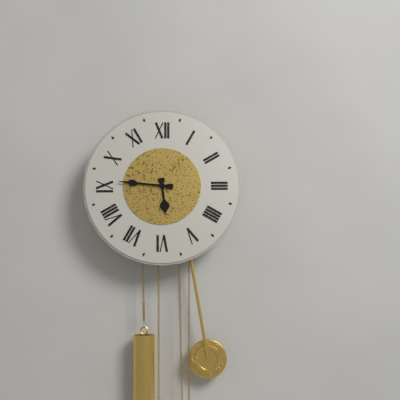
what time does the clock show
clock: 5:46
